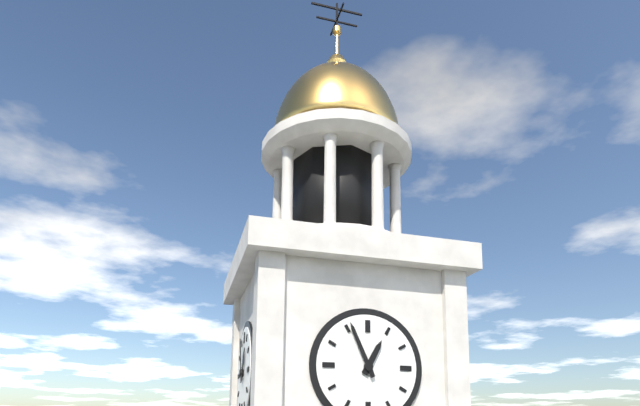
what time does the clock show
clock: 12:56
